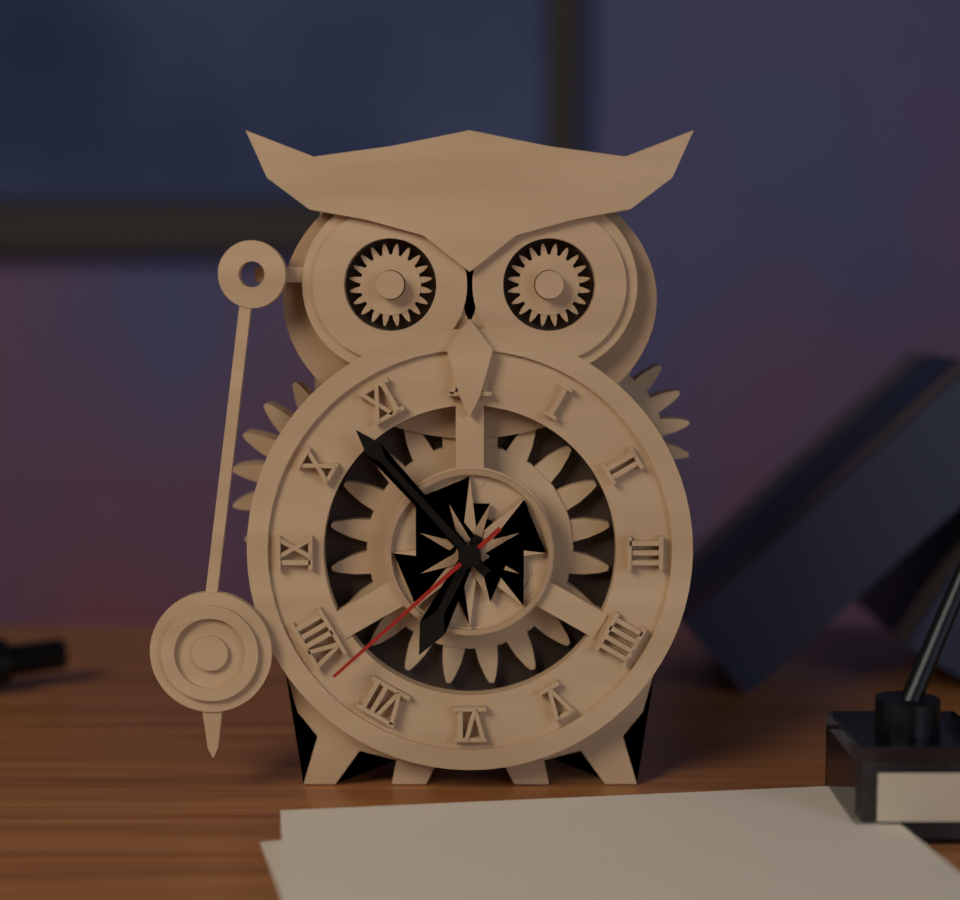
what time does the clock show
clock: 6:53:38
